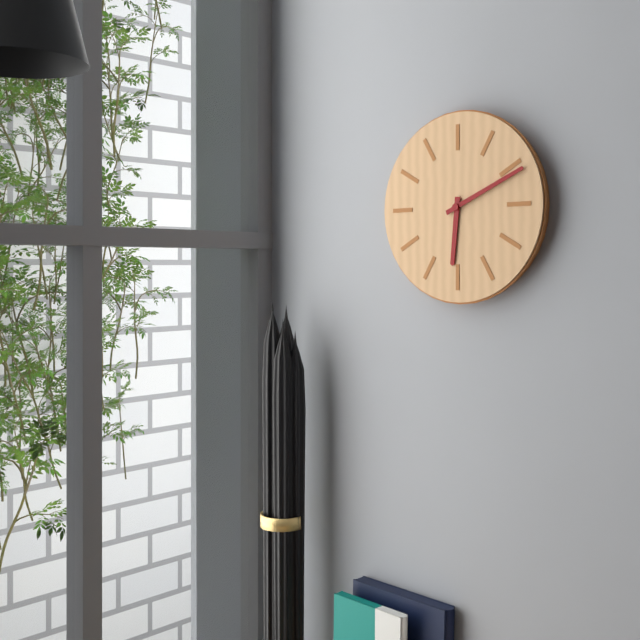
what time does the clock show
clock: 6:11
